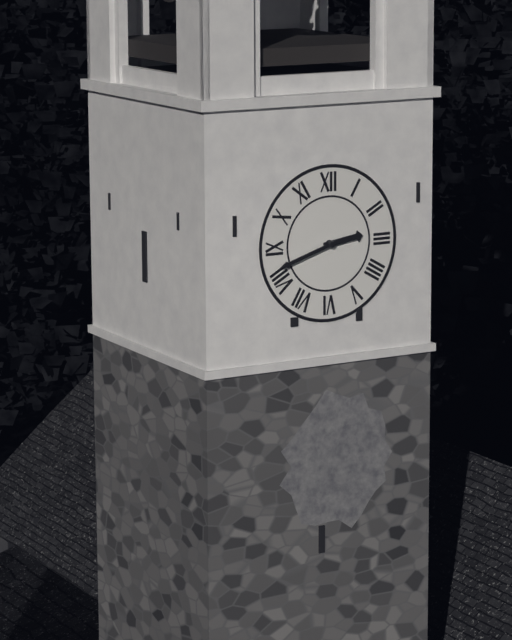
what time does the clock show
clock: 2:42
